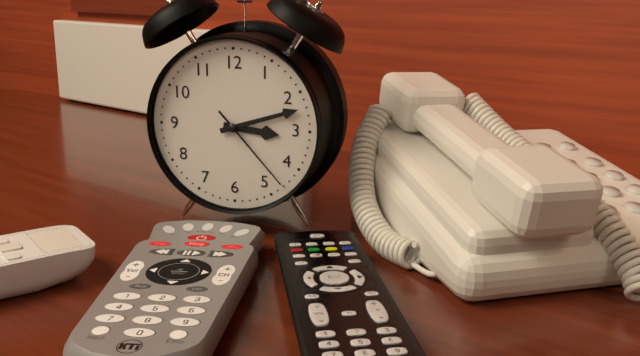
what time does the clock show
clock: 3:12:23
